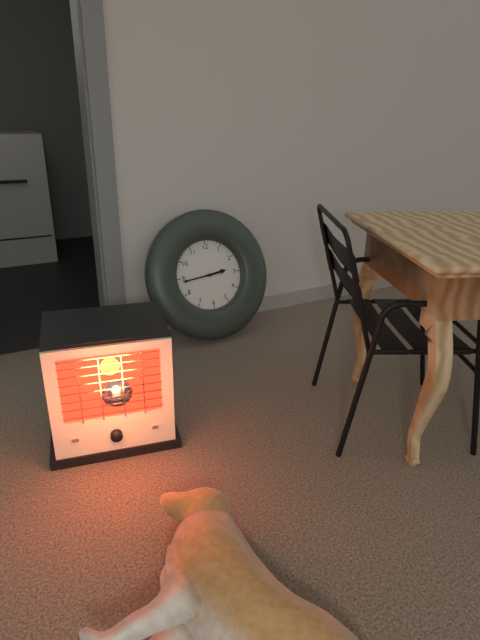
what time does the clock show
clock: 2:44
